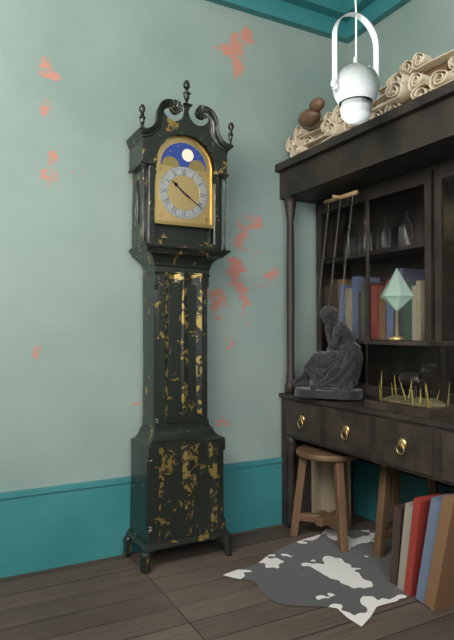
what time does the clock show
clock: 10:21
